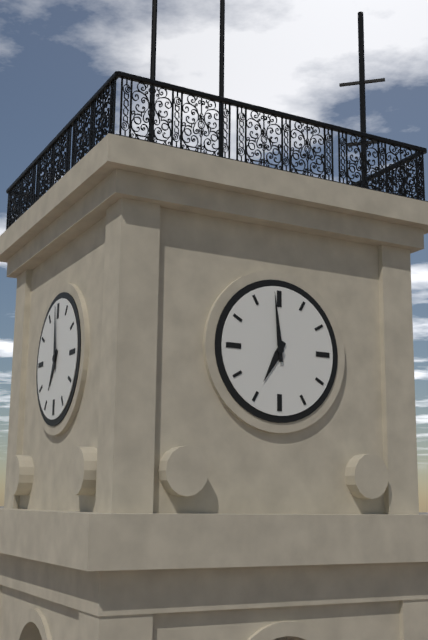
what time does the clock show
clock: 6:59
